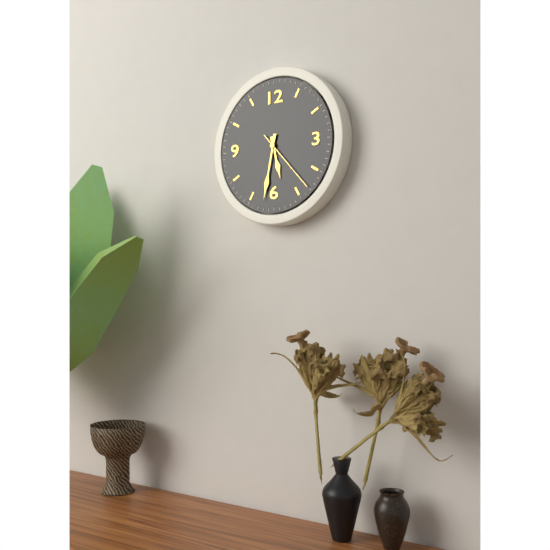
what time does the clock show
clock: 5:32:23
